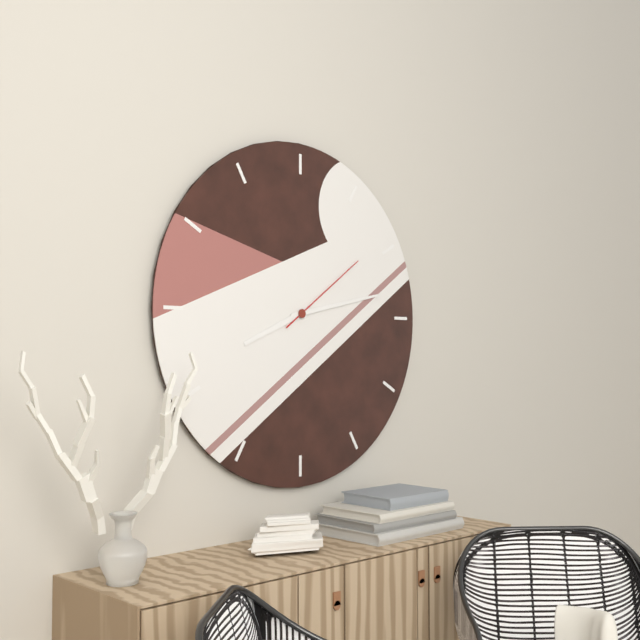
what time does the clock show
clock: 8:13:09
